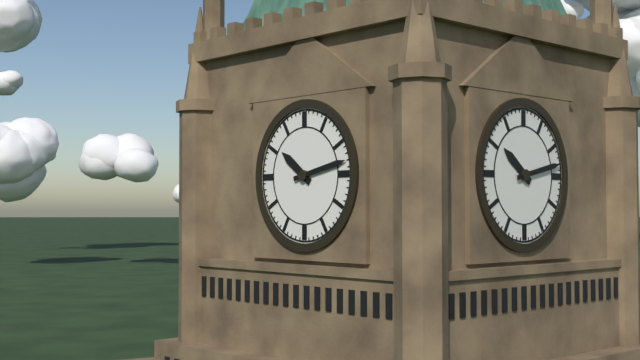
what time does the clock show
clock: 10:13
